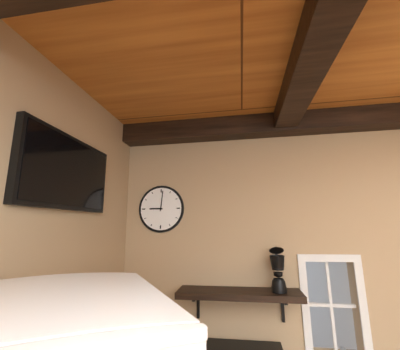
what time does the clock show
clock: 9:01
